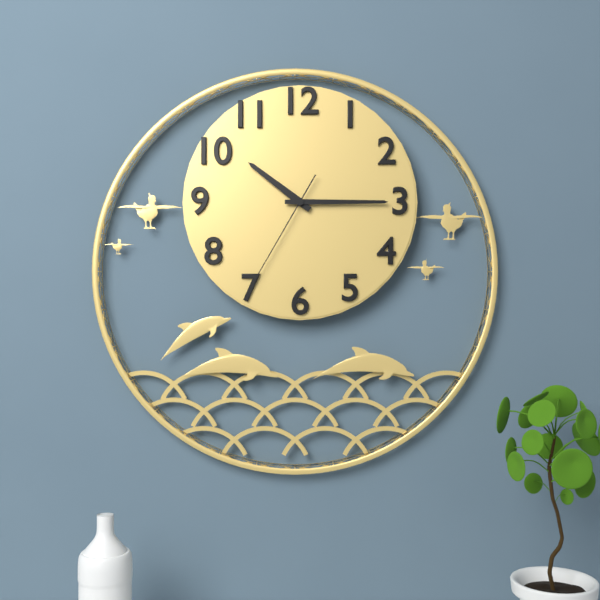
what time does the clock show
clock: 10:15:35
